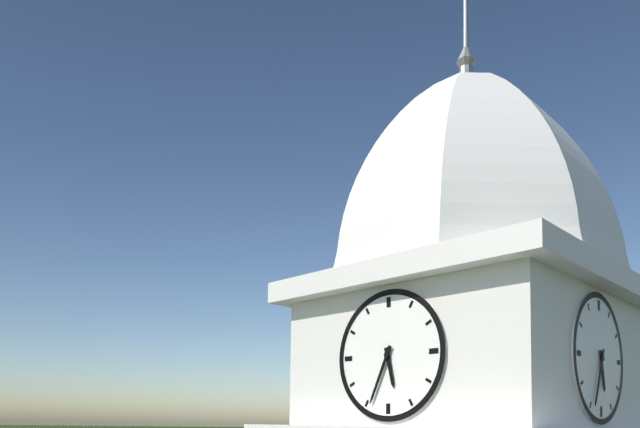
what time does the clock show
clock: 5:34
